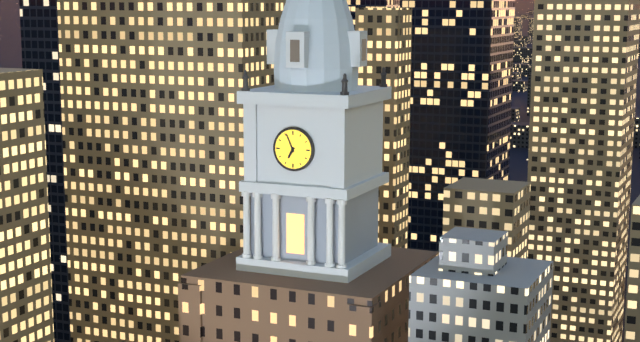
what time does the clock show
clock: 6:56
